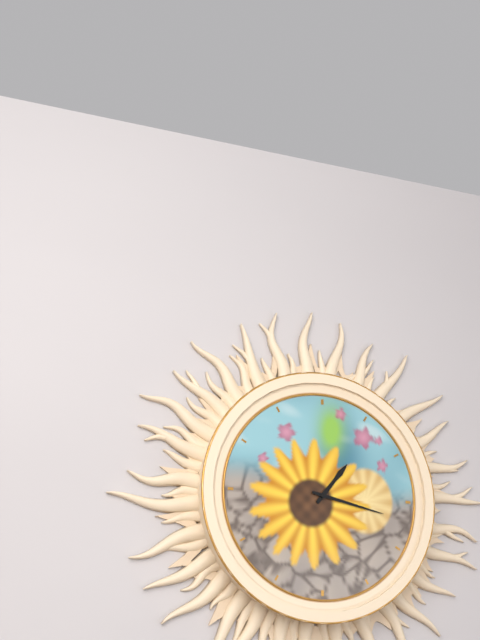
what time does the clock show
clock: 1:17
